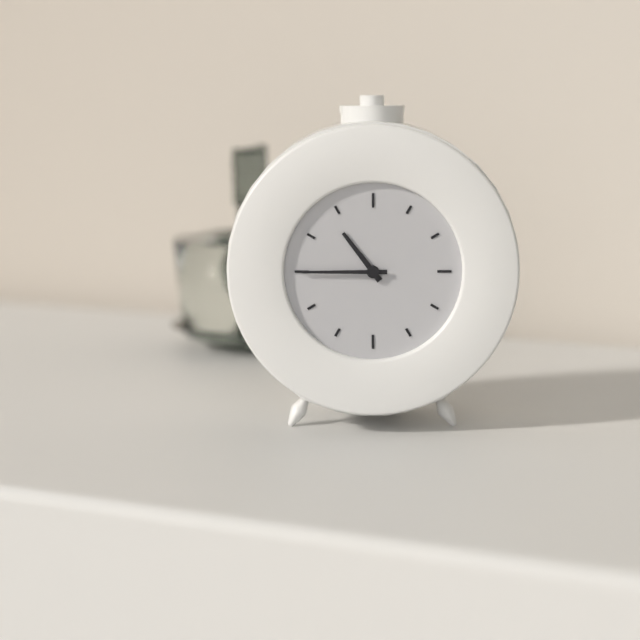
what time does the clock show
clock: 10:45
